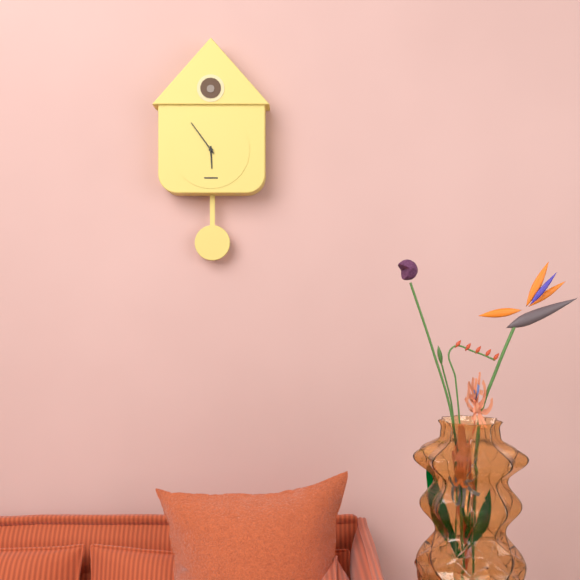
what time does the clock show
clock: 5:54
